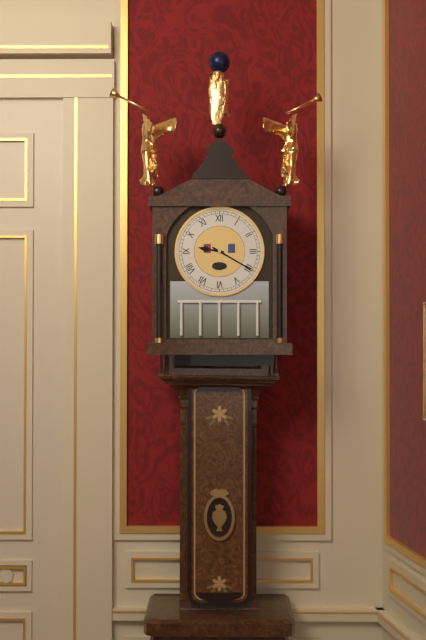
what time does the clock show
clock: 9:20
